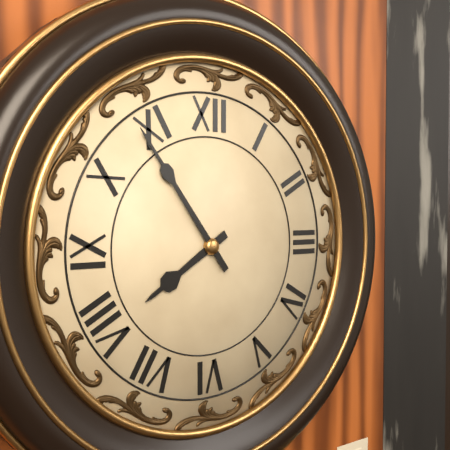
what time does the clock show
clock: 7:54
